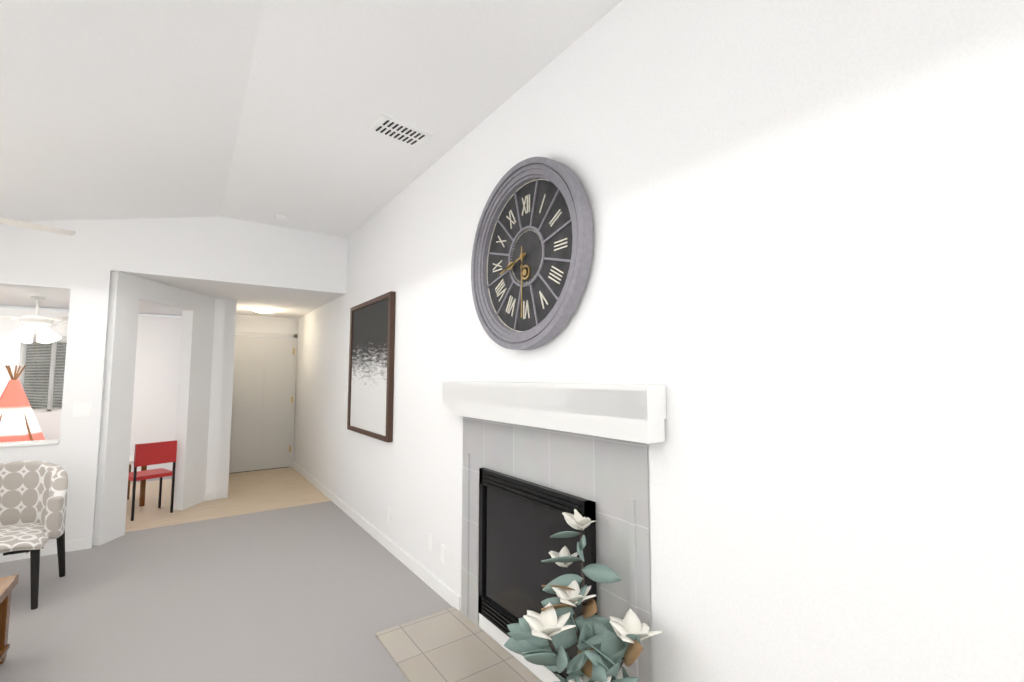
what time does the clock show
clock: 8:30
